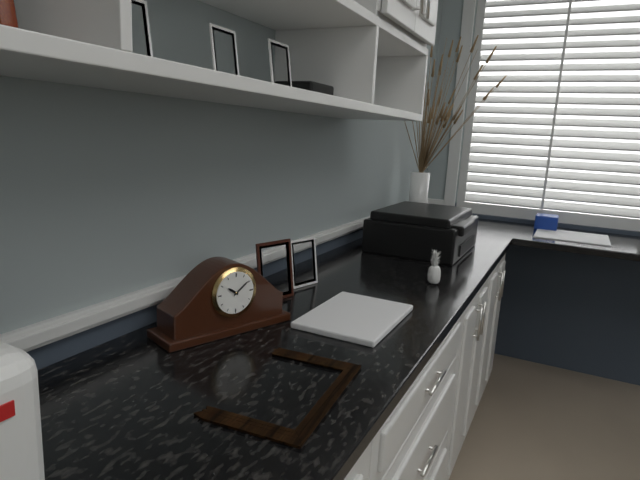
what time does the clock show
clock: 10:09
